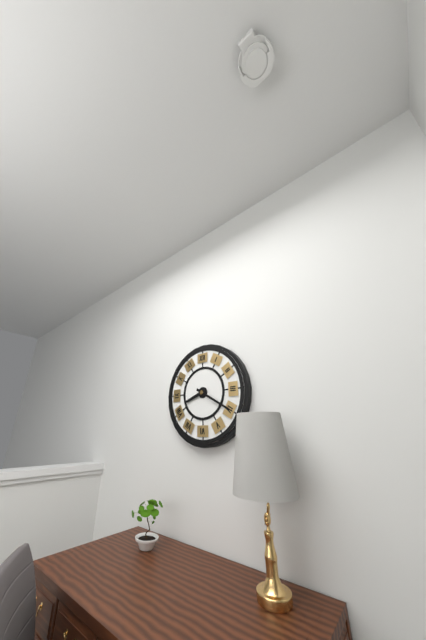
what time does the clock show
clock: 8:20
